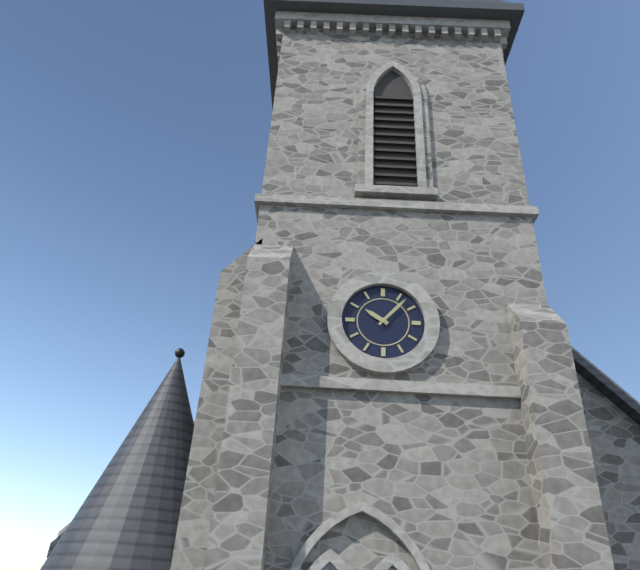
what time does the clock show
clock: 10:07
